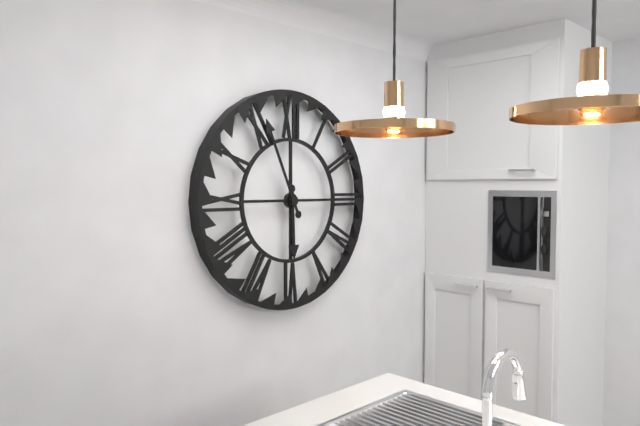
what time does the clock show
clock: 5:56
